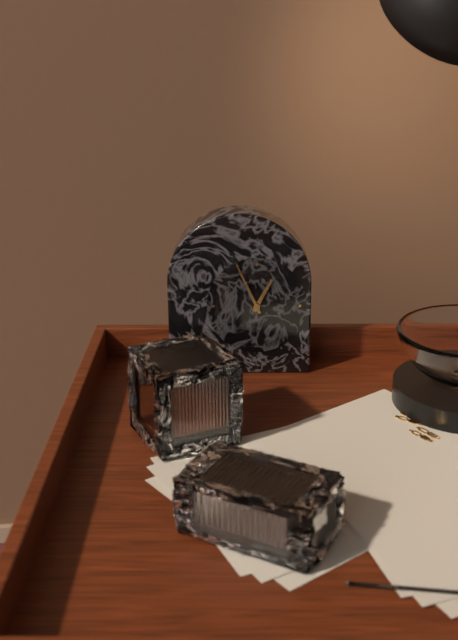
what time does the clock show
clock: 12:56
